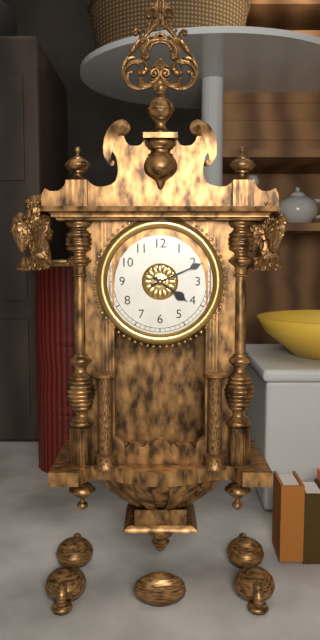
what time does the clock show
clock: 4:11
